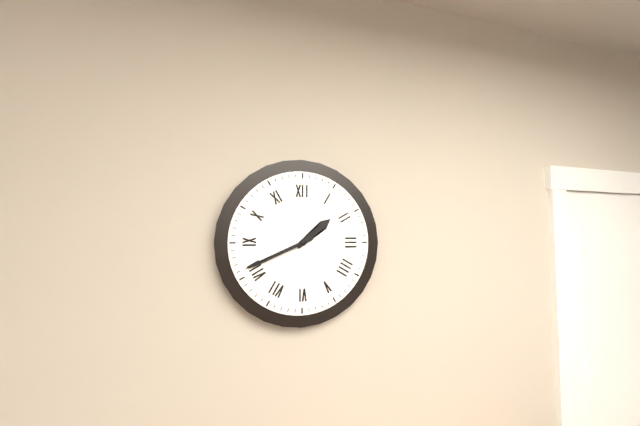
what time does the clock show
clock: 1:41
